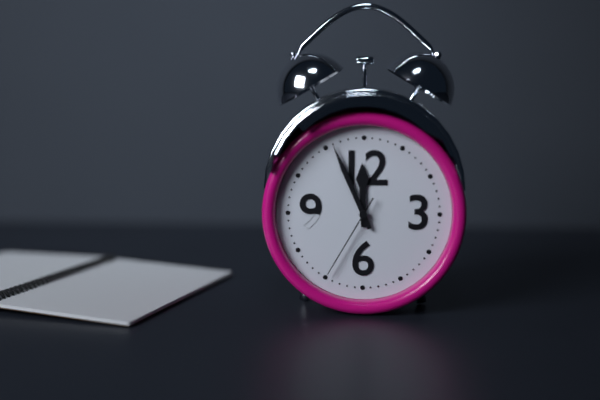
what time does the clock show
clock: 11:56:35
